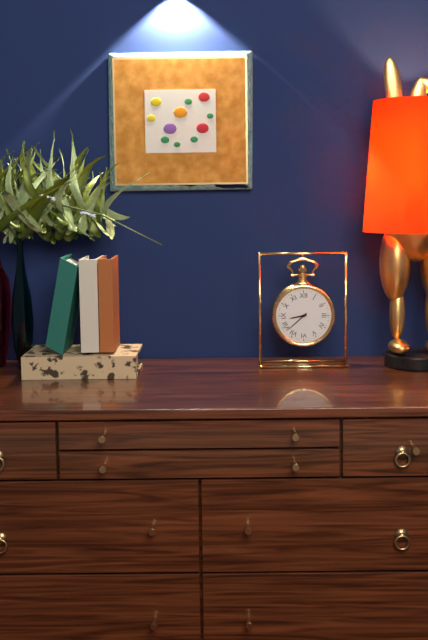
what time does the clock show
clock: 8:38
